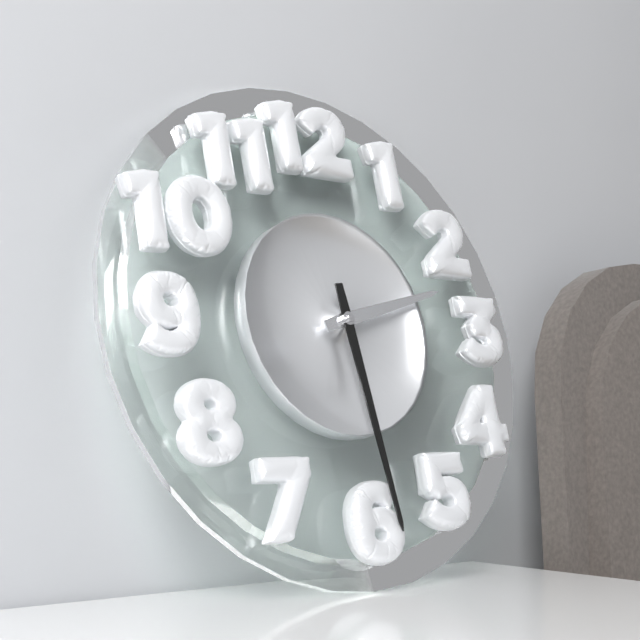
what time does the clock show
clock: 2:29
